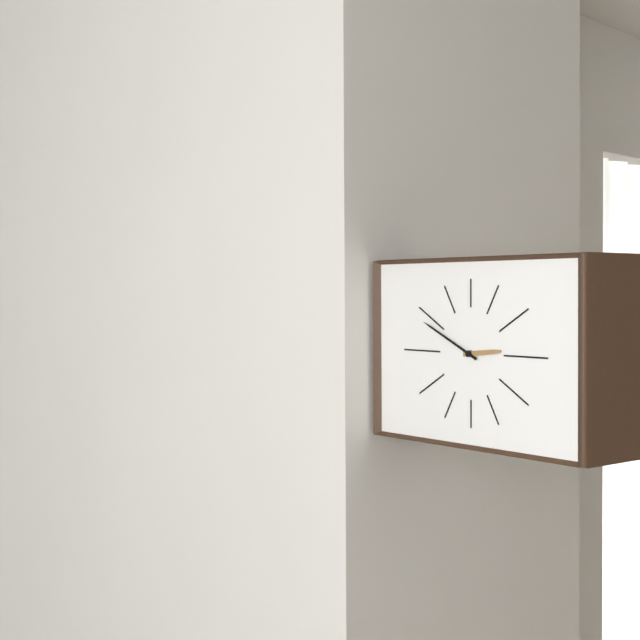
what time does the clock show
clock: 2:49
